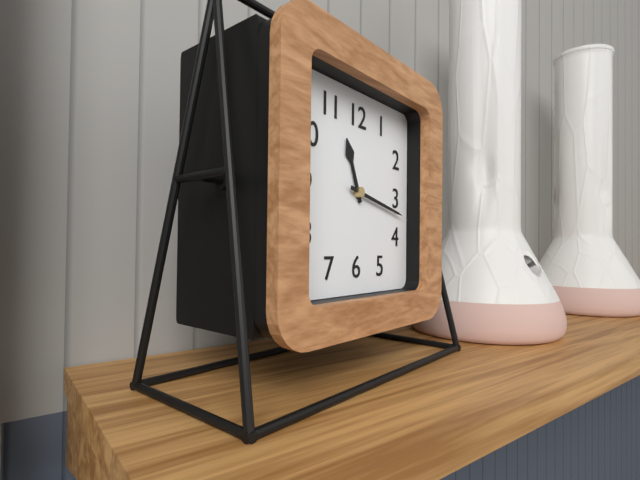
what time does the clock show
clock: 11:17
